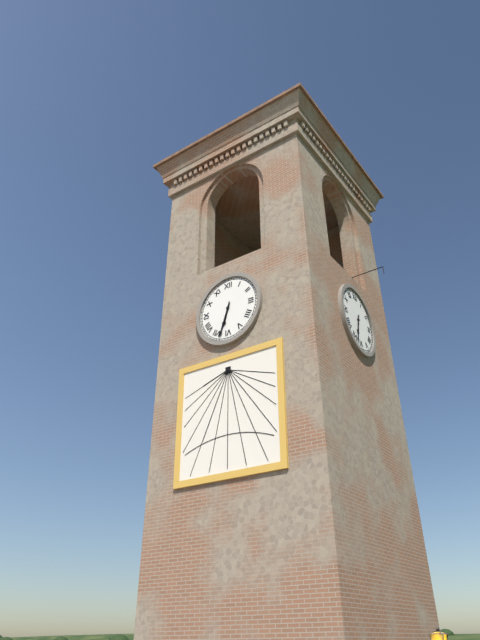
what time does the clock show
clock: 6:33
